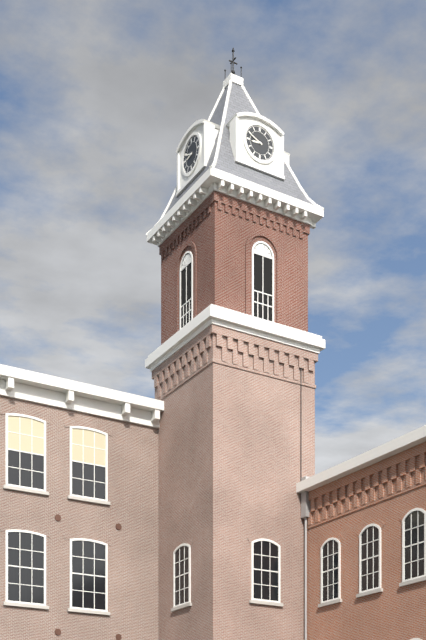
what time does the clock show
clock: 8:49
